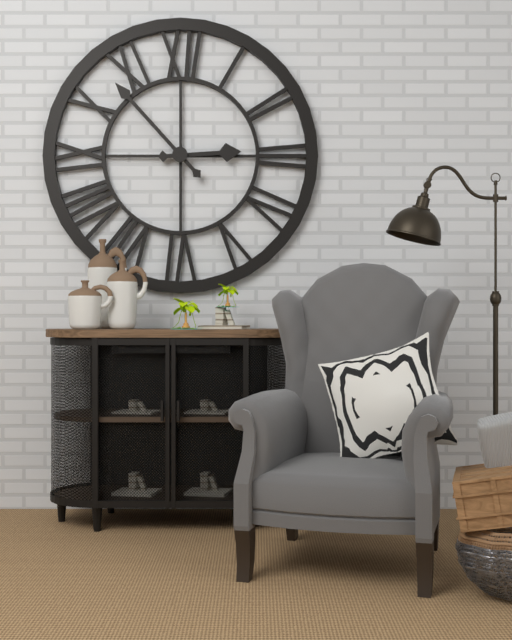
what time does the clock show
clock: 2:53
